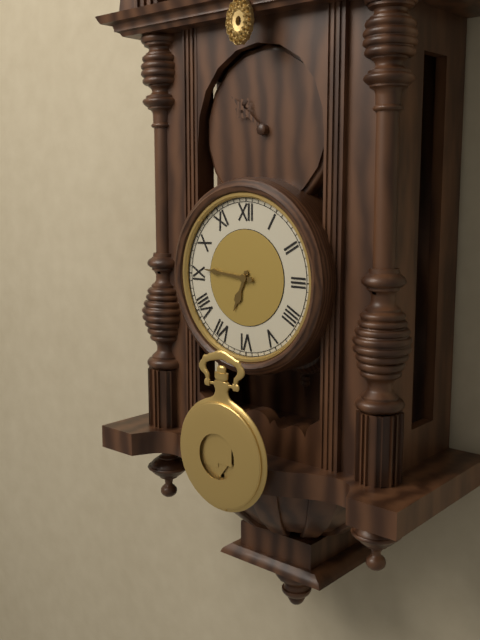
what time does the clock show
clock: 6:46
